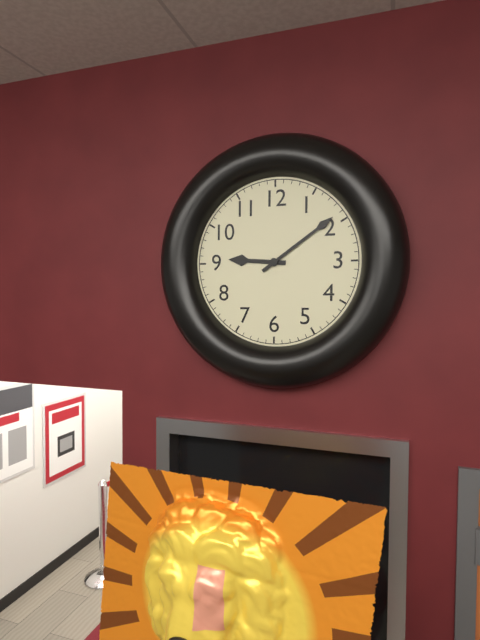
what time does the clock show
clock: 9:09
